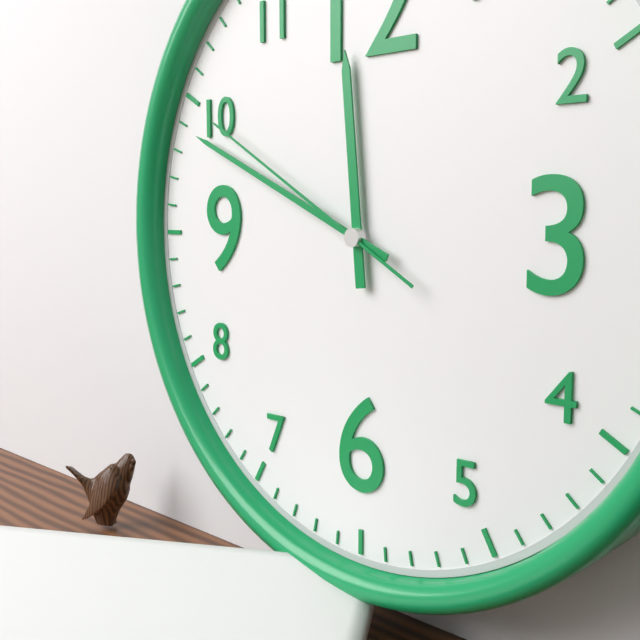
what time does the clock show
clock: 11:49:50
